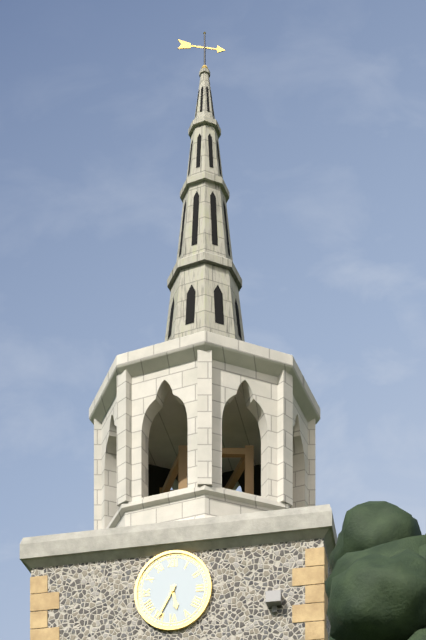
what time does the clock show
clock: 5:35
